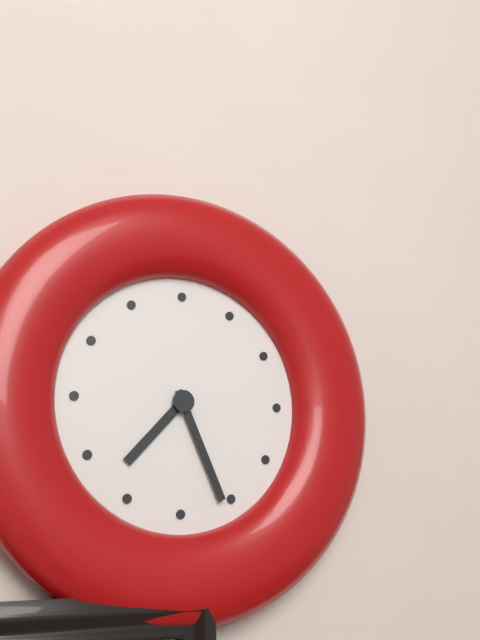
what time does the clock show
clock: 7:26
